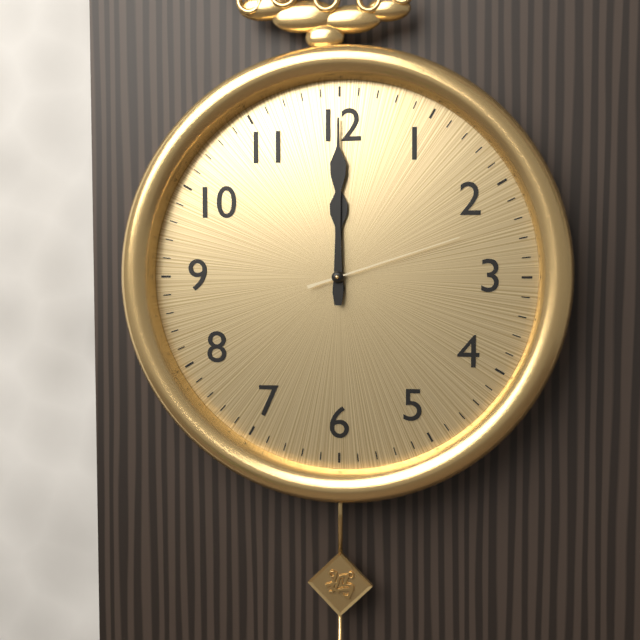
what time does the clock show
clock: 12:00:12
